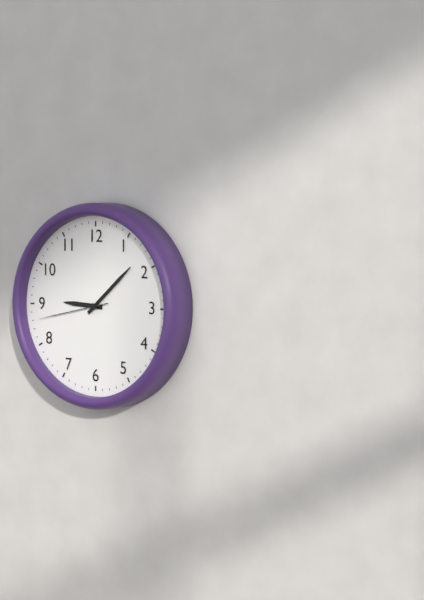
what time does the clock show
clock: 9:08:43
